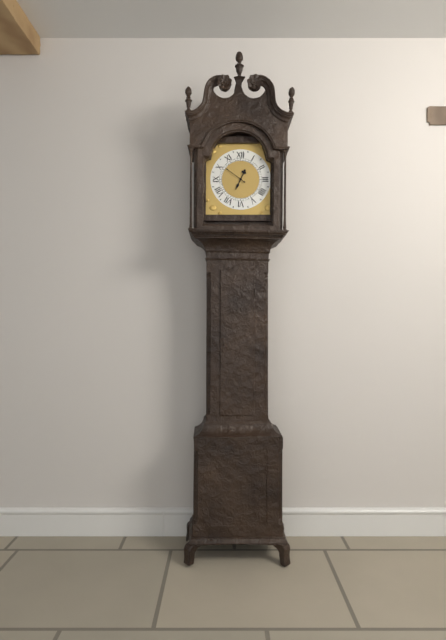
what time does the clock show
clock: 6:51
